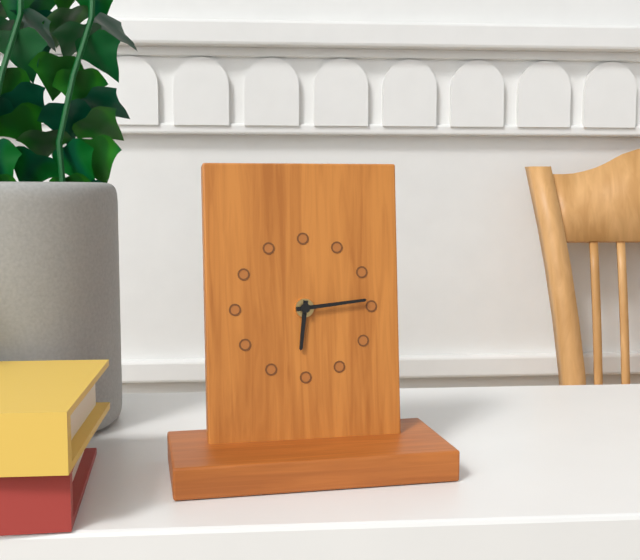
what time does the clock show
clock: 6:14
